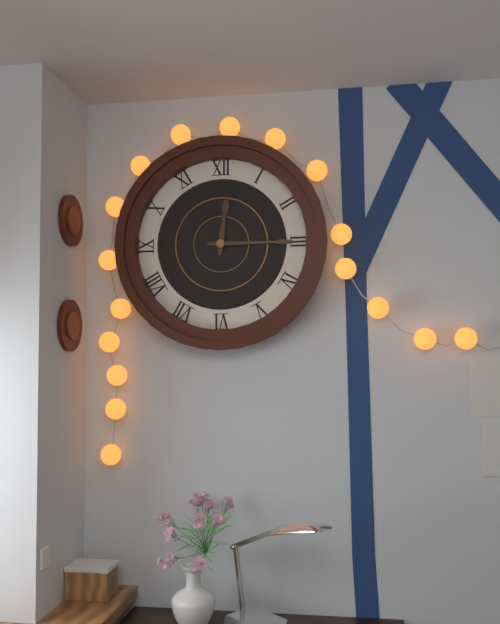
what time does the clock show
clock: 12:15
